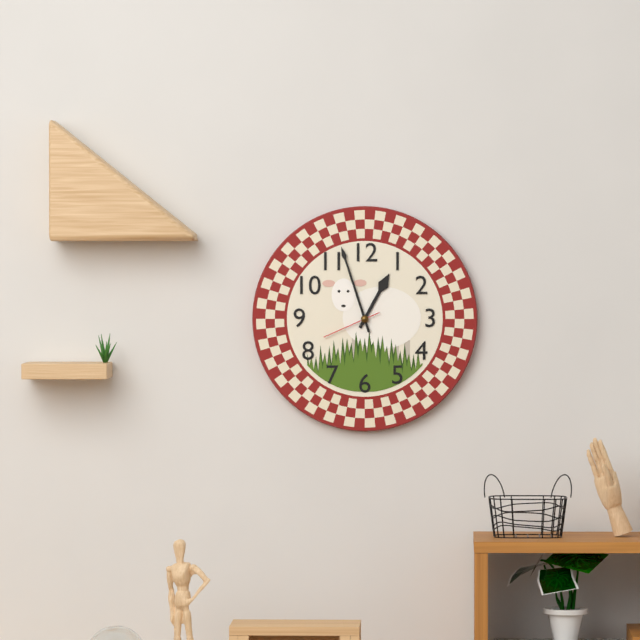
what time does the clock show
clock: 12:57:41
